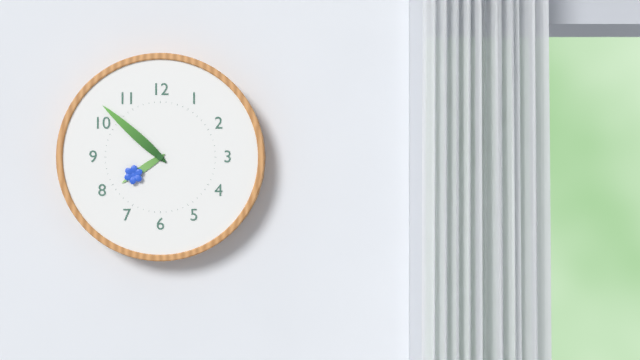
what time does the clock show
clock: 7:52
